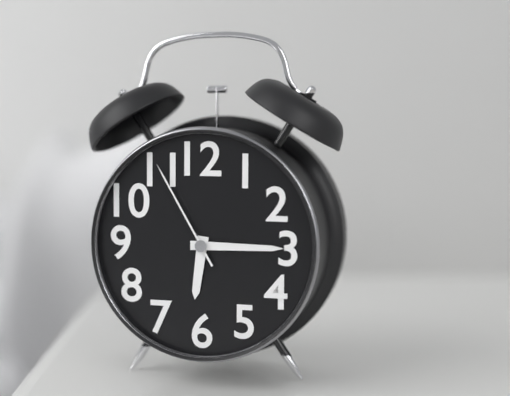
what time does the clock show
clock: 6:15:55
